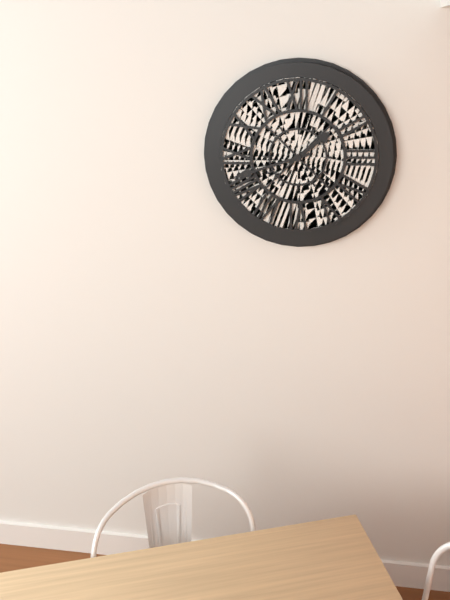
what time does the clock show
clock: 1:42
